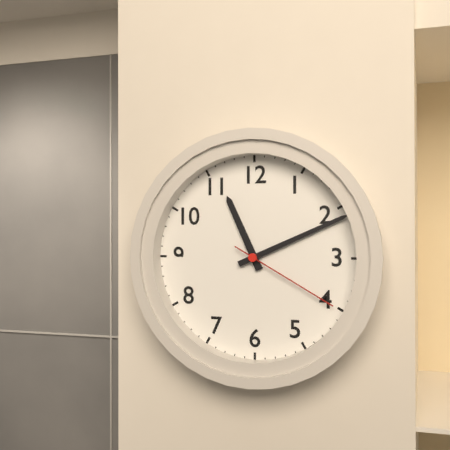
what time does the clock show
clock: 11:11:20
